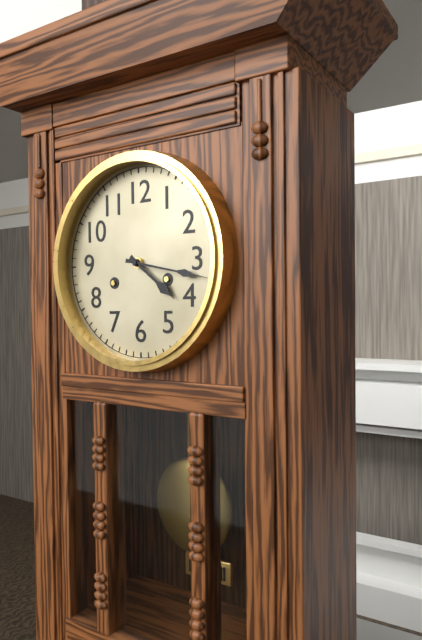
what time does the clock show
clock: 4:17
